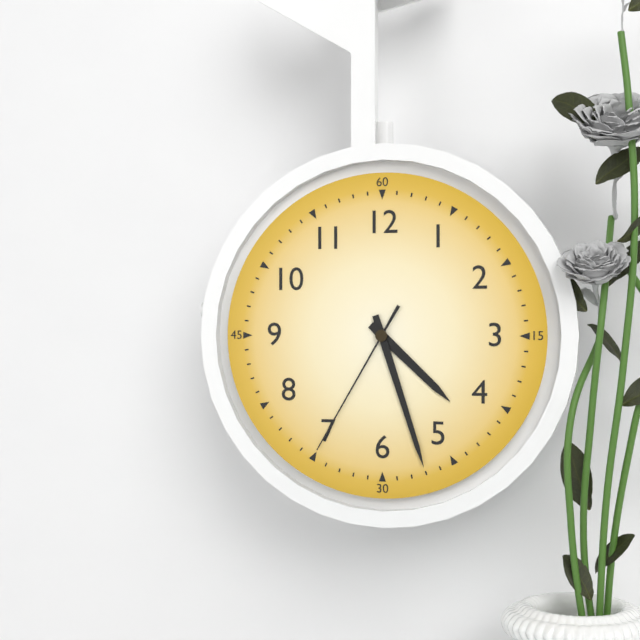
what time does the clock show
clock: 4:27:35
